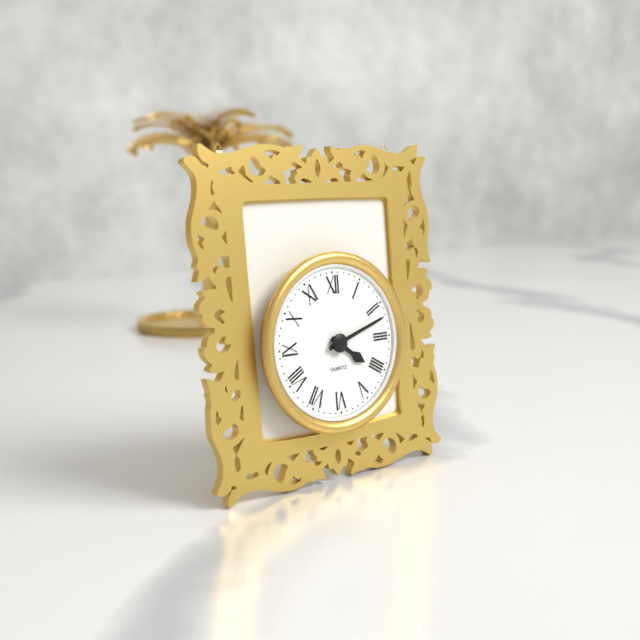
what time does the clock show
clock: 4:12
